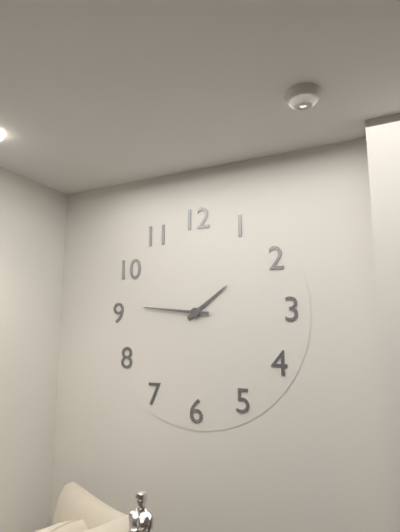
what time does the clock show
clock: 1:46
